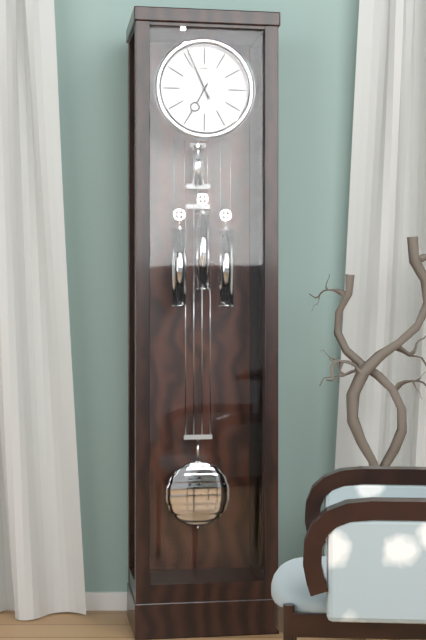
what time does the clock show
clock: 6:56
